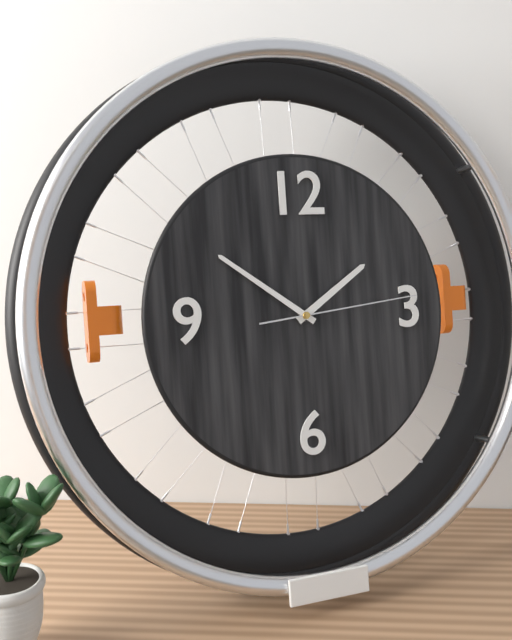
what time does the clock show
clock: 1:51:14
